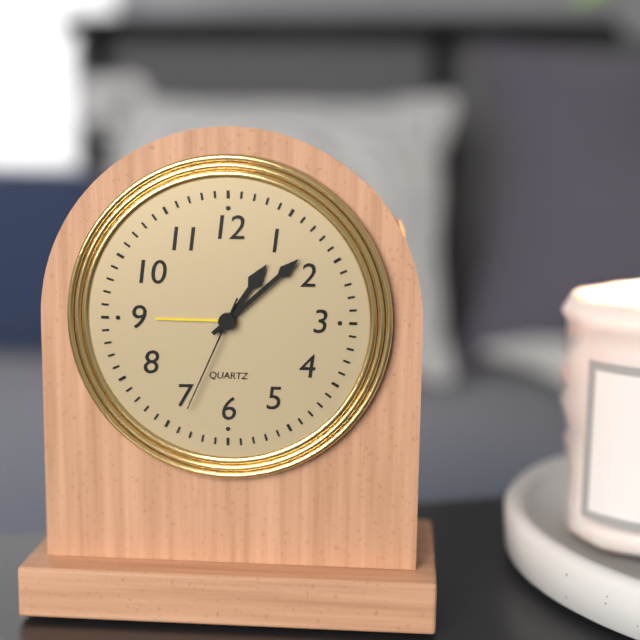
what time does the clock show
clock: 1:08:34
